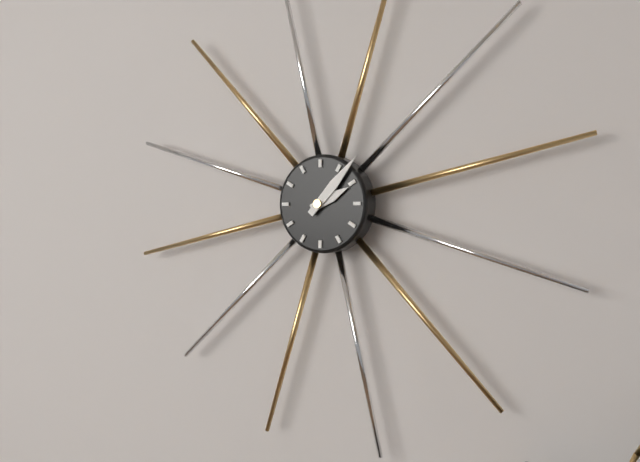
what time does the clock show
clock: 2:07
